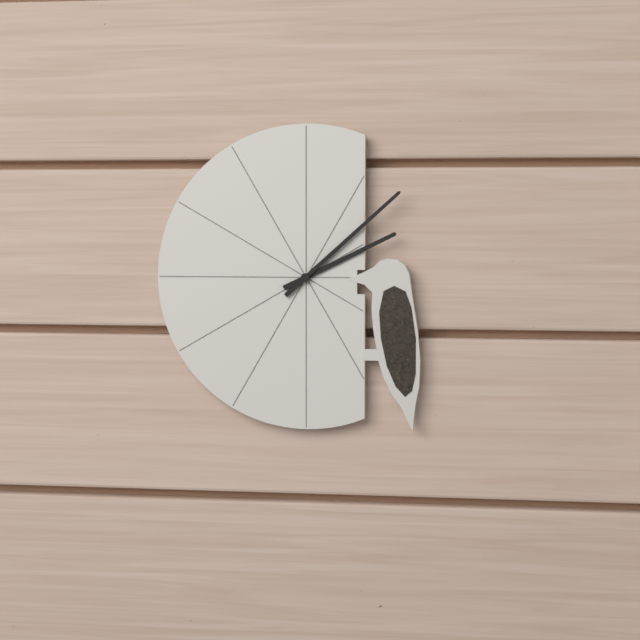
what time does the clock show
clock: 2:08
